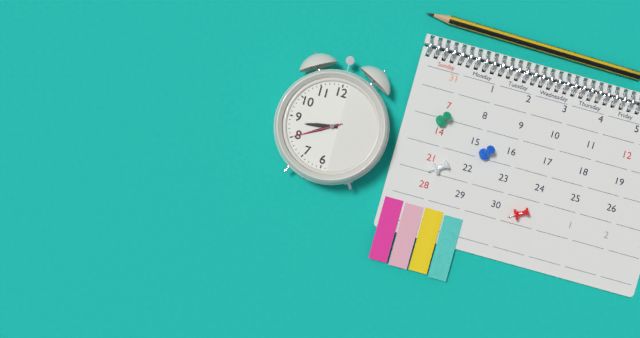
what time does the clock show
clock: 8:40
